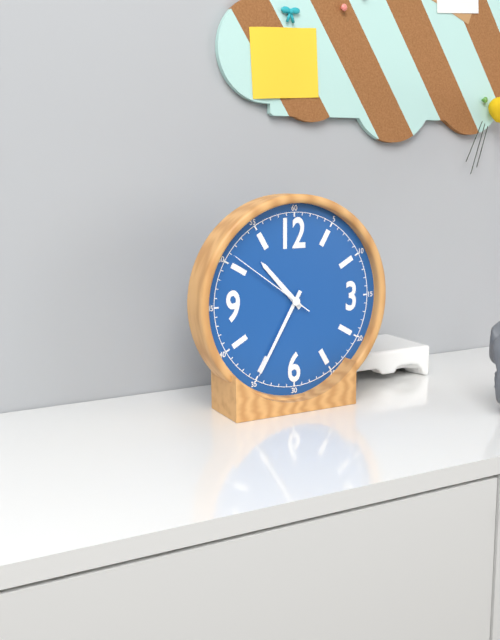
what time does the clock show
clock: 10:35:51
